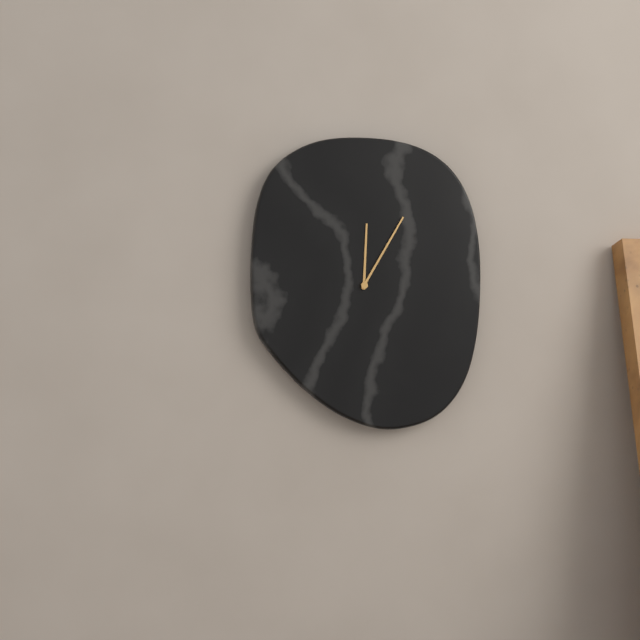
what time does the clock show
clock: 12:05
